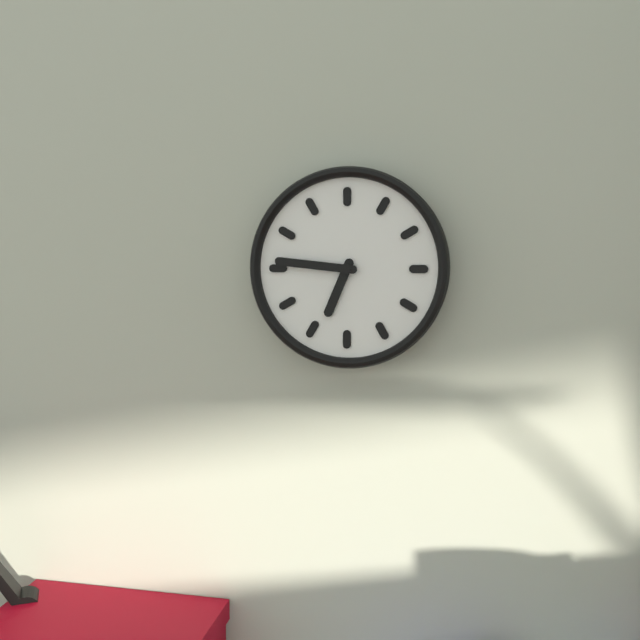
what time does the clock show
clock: 6:46
